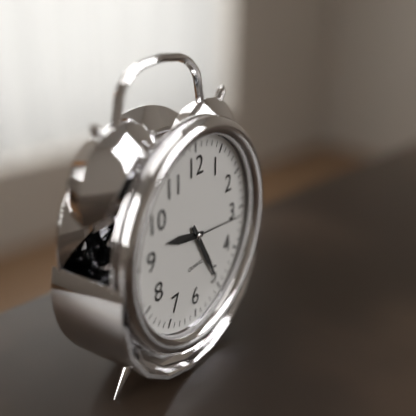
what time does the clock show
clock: 9:25:16
